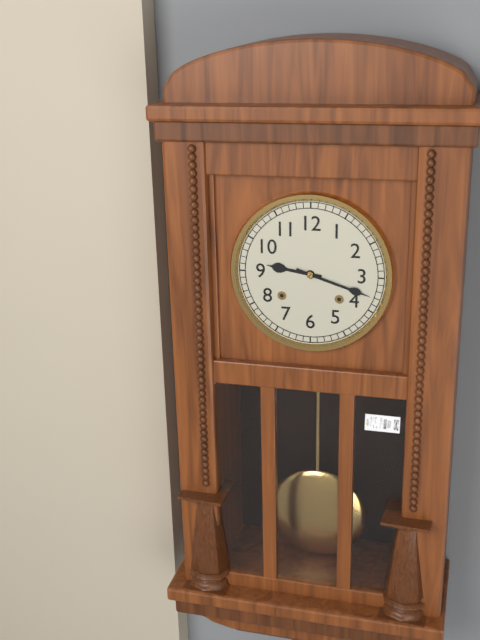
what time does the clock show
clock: 9:18
